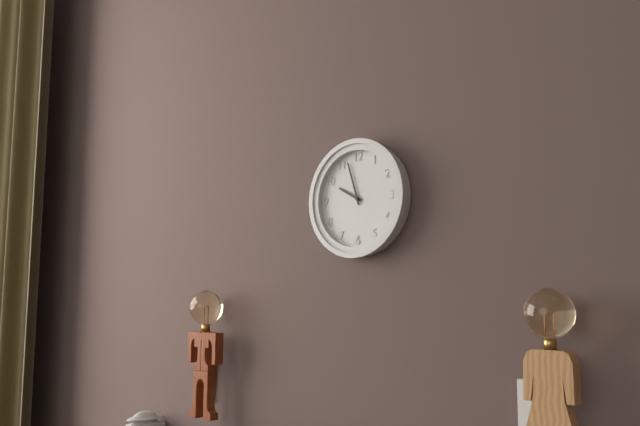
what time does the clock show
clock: 9:57
